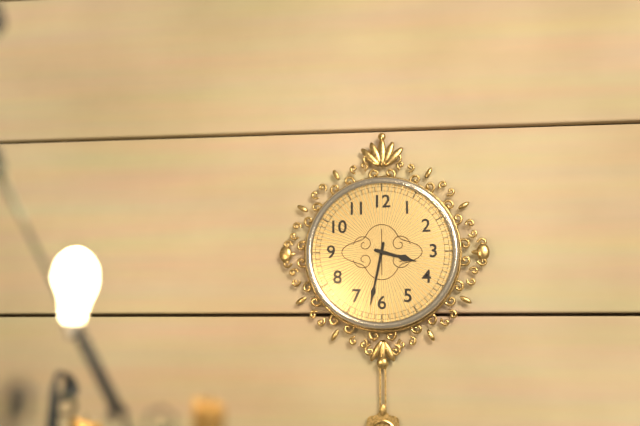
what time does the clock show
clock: 3:32
